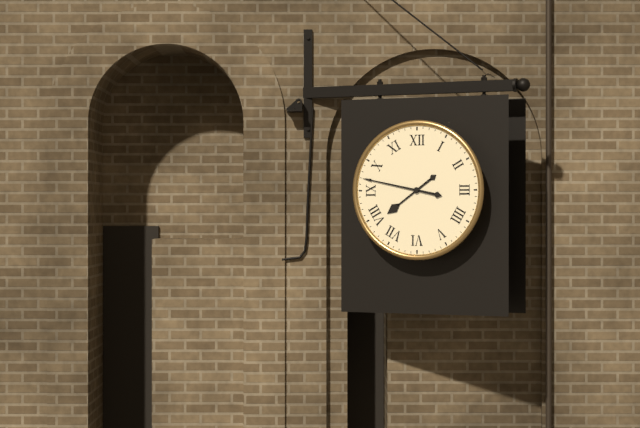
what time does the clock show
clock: 7:47
